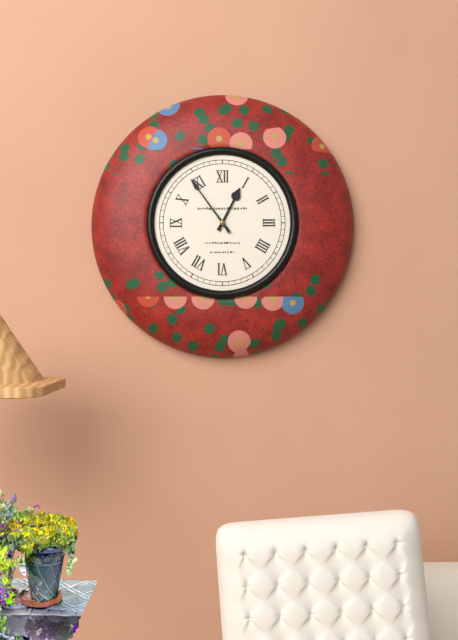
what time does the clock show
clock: 12:54
